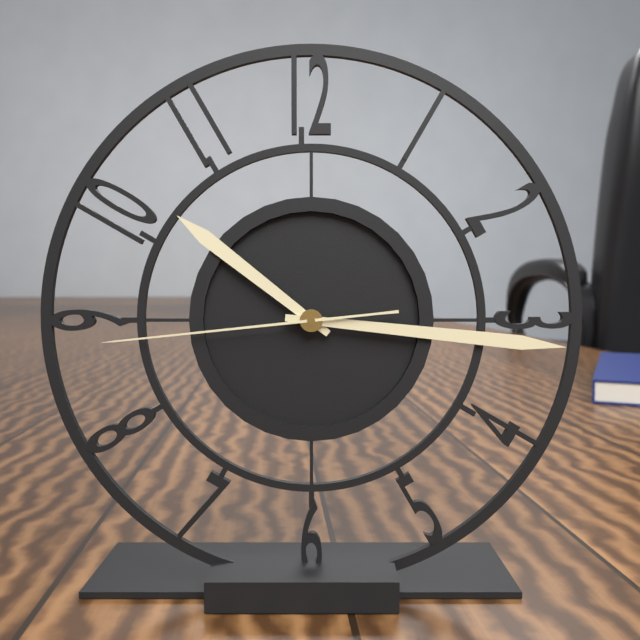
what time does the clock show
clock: 10:16:44
